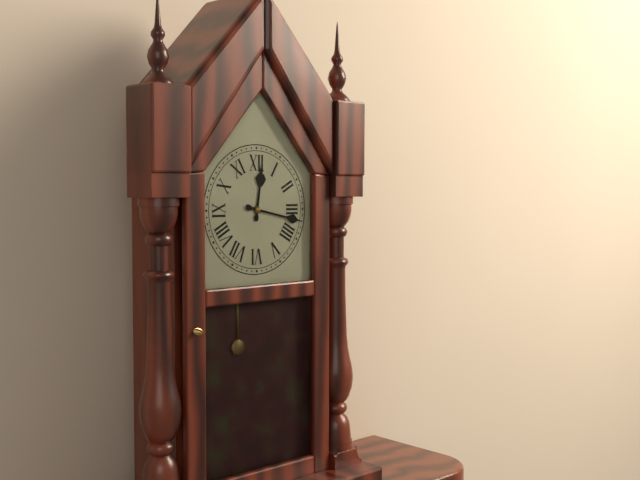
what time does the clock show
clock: 12:17
